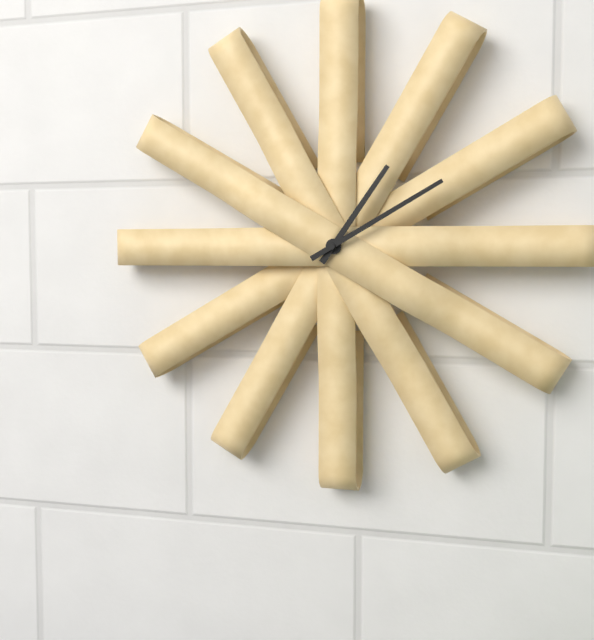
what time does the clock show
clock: 1:10
